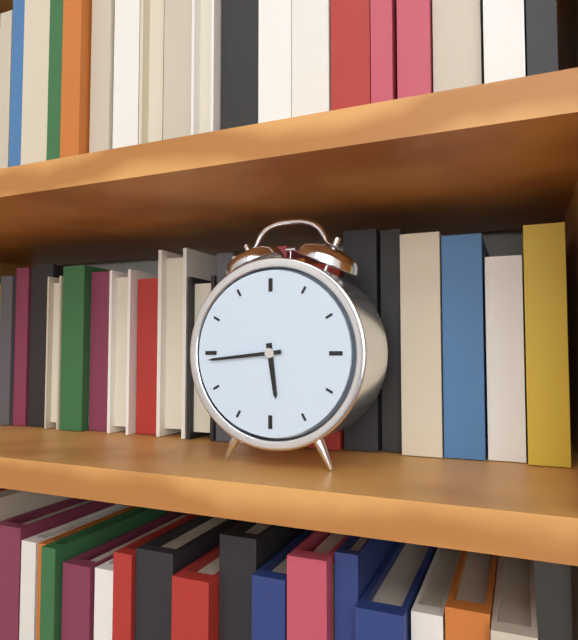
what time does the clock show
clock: 5:44
